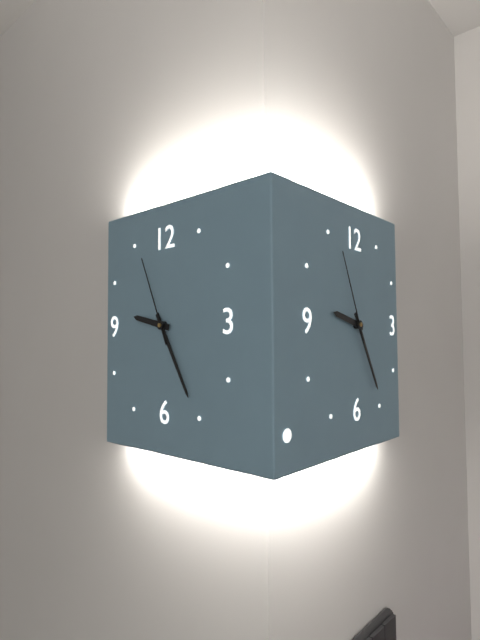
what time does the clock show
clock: 9:25:56
